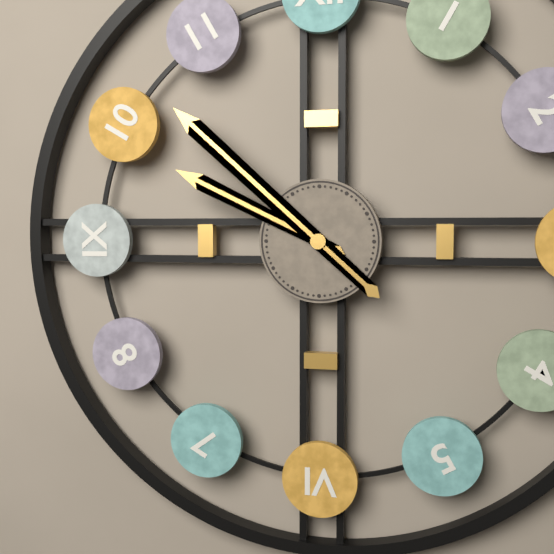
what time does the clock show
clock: 9:52
